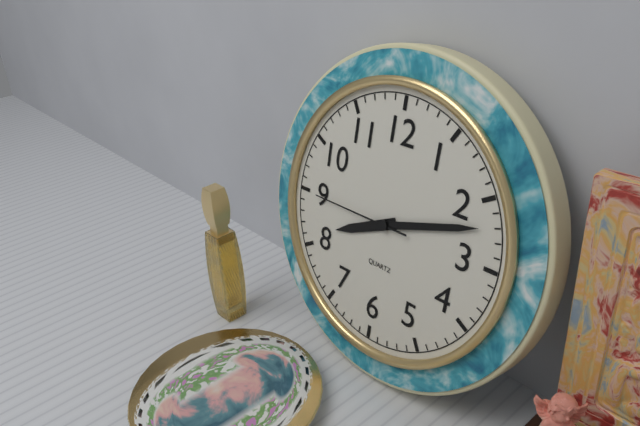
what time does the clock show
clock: 8:12:45
